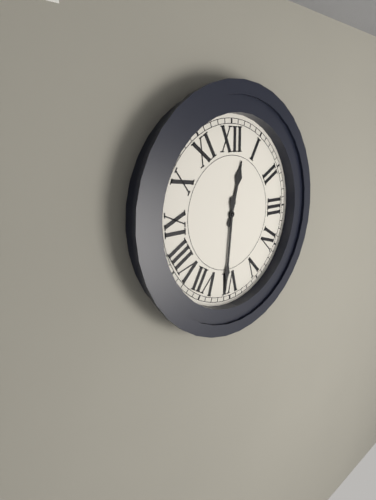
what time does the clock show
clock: 12:31
